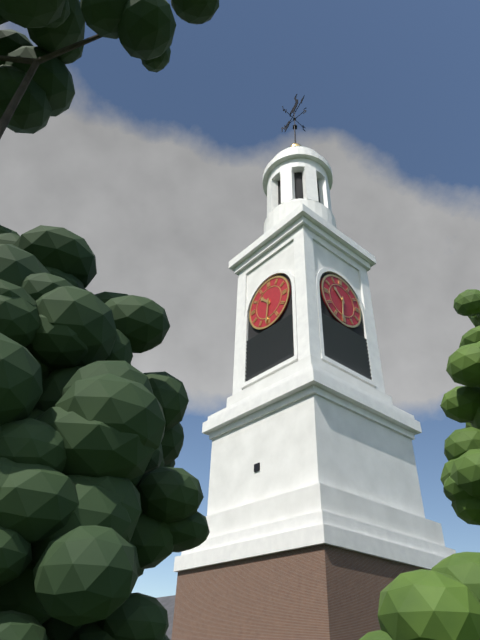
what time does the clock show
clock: 10:31
